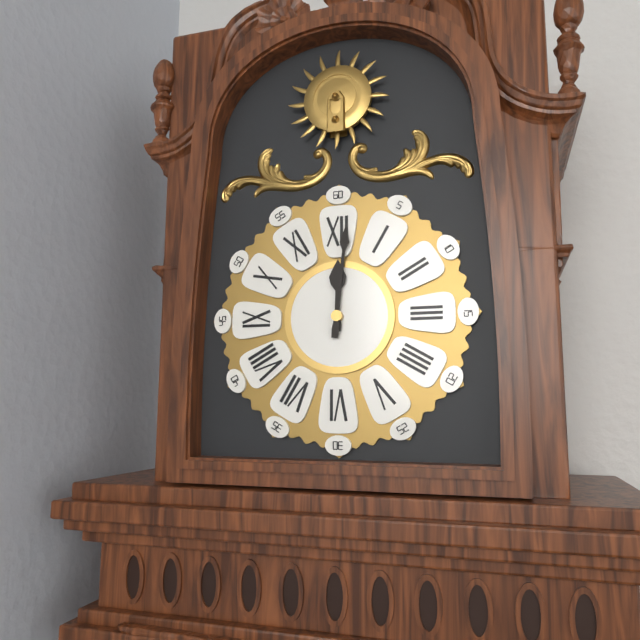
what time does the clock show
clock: 12:01
